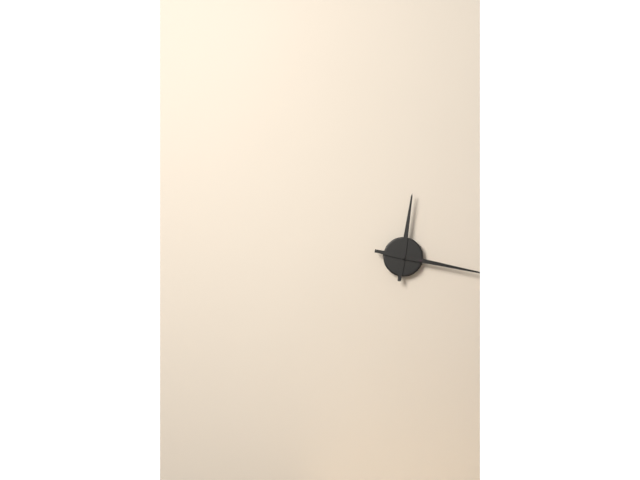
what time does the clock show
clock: 12:17
